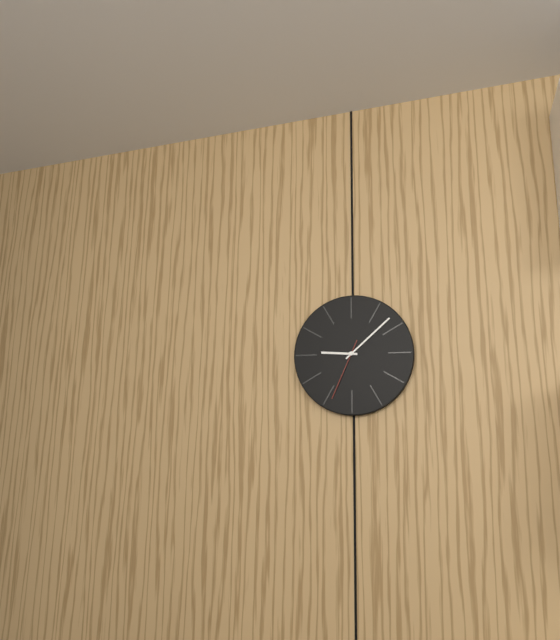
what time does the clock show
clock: 9:08:34
